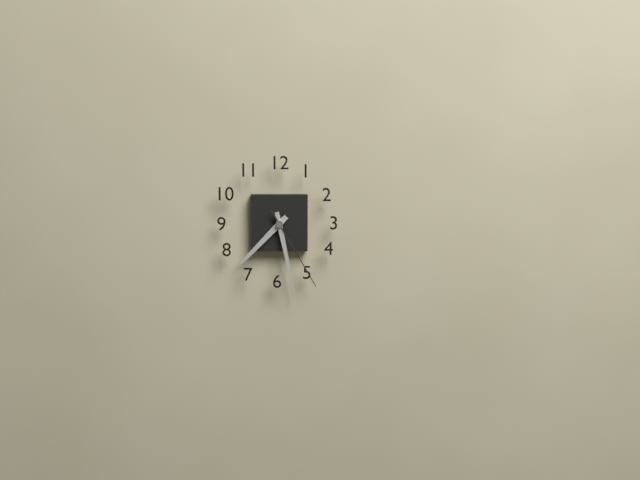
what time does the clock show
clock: 7:28:25
